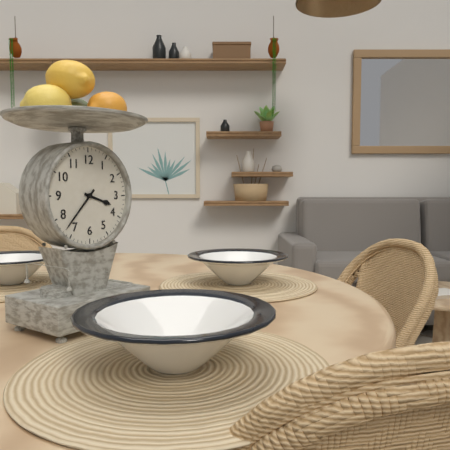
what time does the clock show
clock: 3:37
